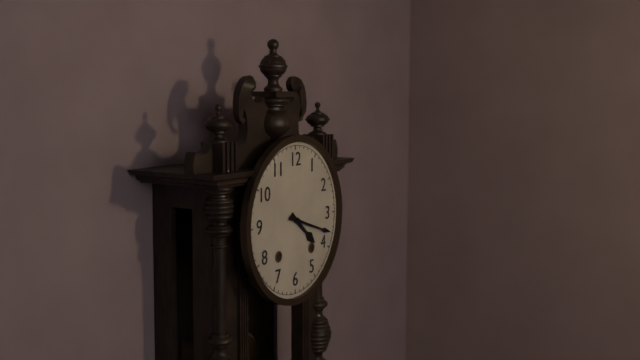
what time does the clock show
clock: 4:18
